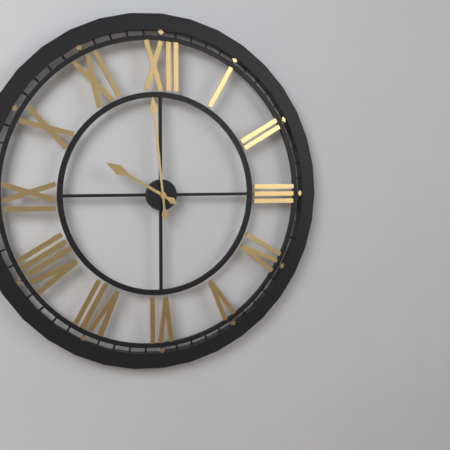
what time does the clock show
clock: 9:59
